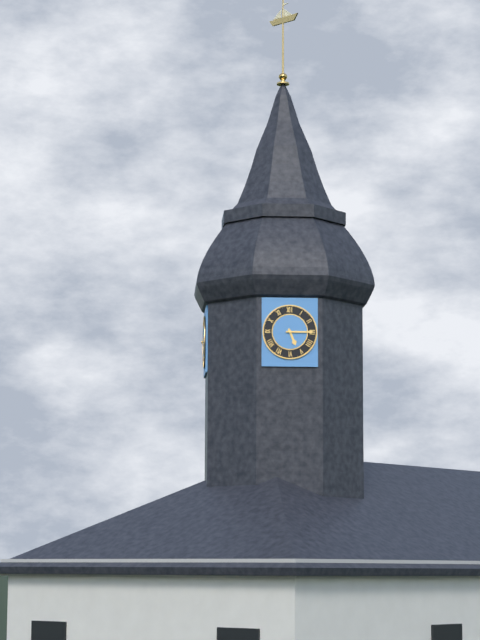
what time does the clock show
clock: 5:15
